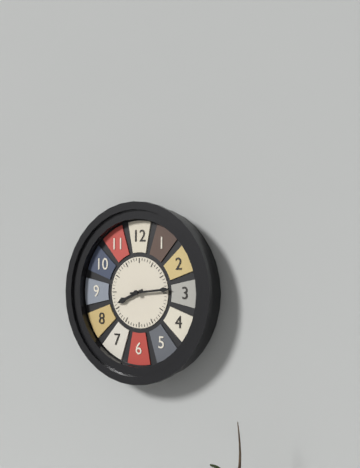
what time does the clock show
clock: 8:14
